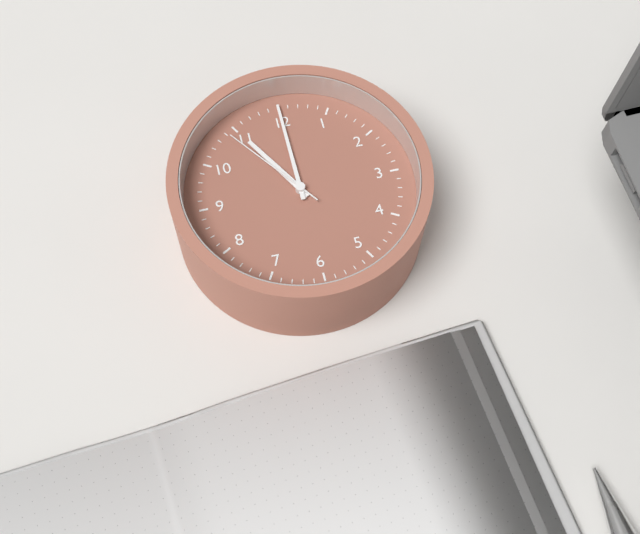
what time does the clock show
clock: 11:00:54
